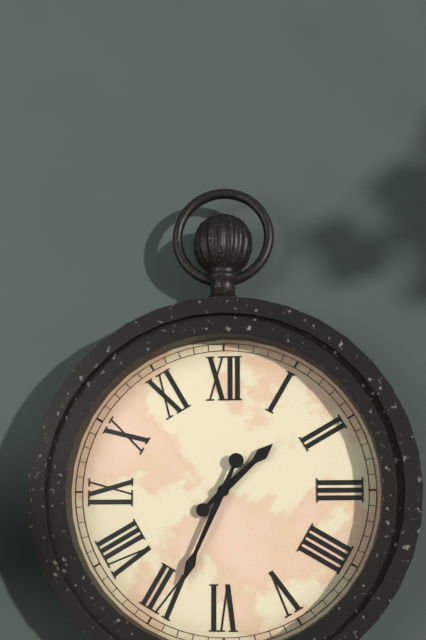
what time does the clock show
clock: 1:34
